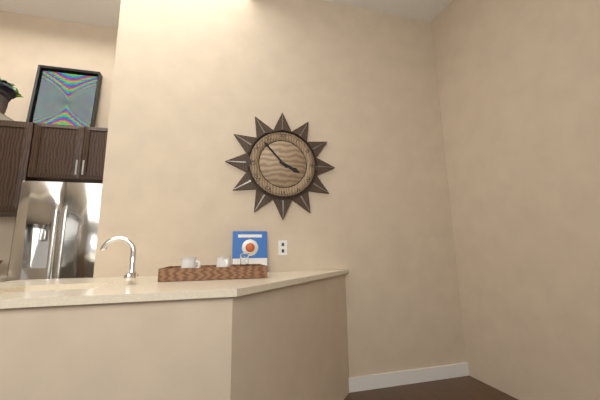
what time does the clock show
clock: 3:53
